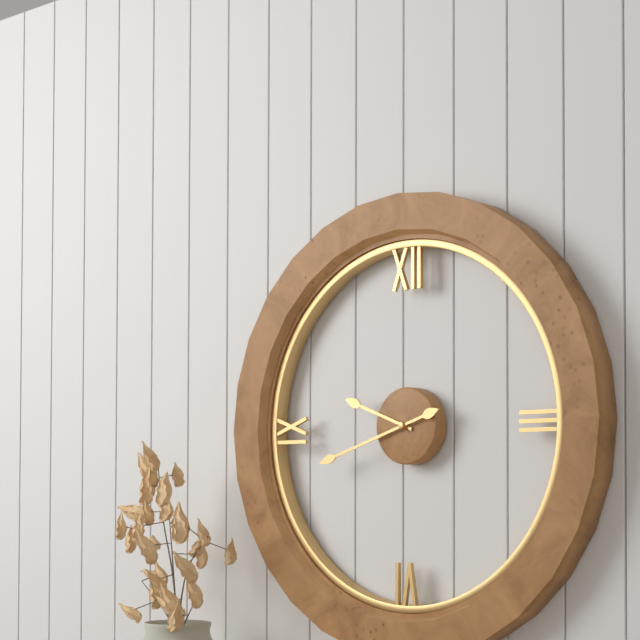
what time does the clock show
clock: 9:42
